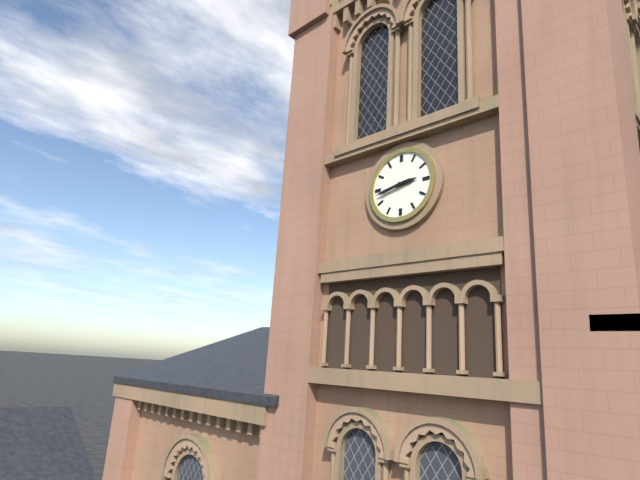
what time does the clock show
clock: 2:43
